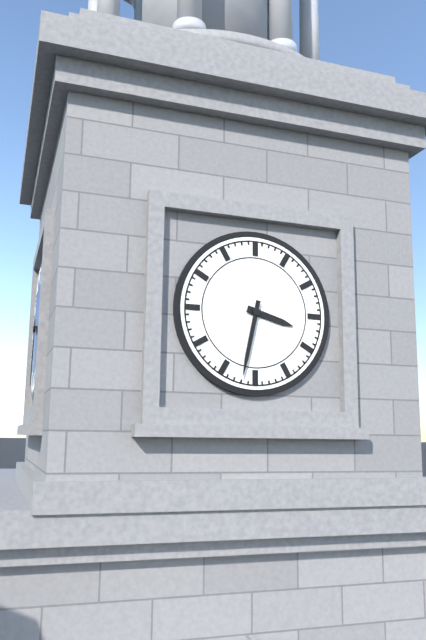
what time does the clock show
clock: 3:32
